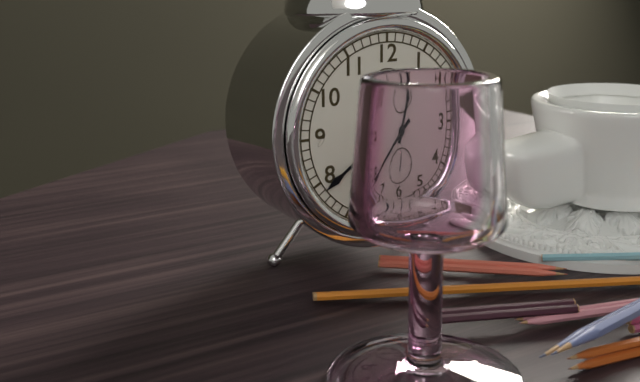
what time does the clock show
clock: 12:39
